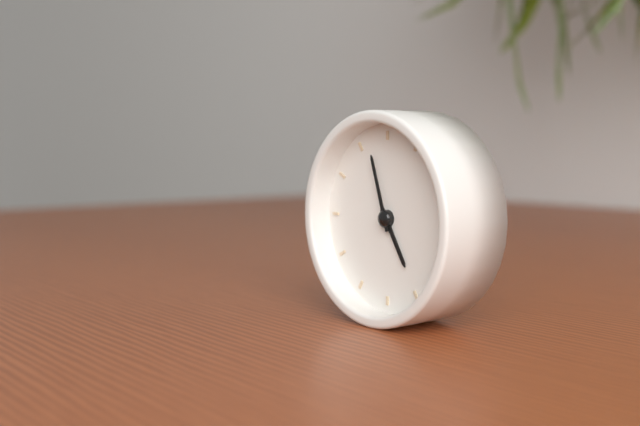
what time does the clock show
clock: 4:57
